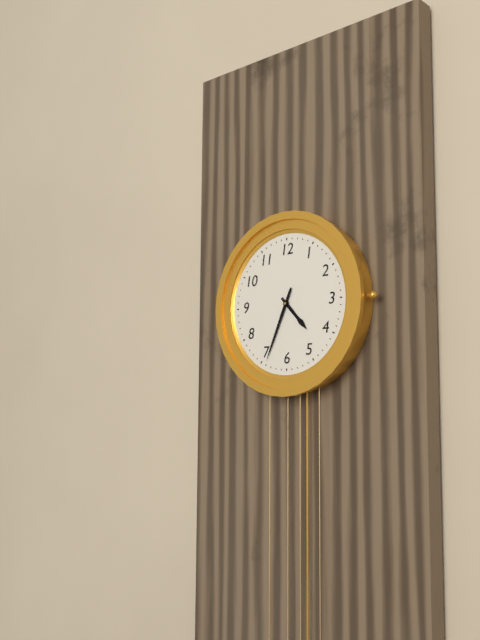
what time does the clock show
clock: 4:34
